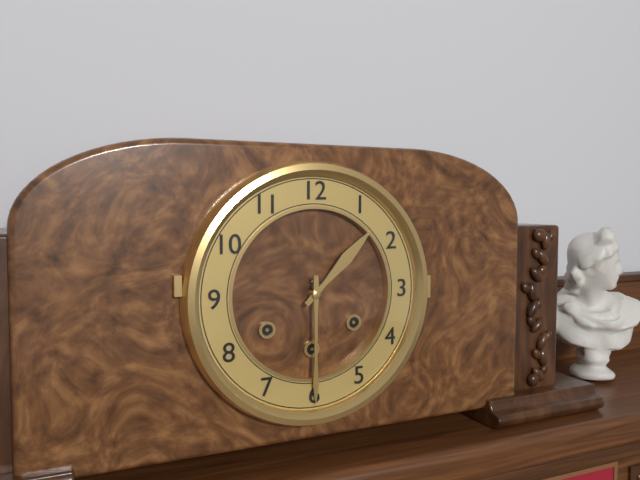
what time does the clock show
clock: 1:30
